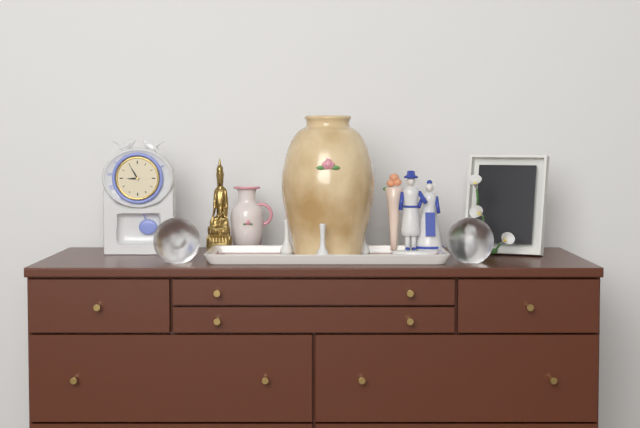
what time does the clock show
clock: 8:55
